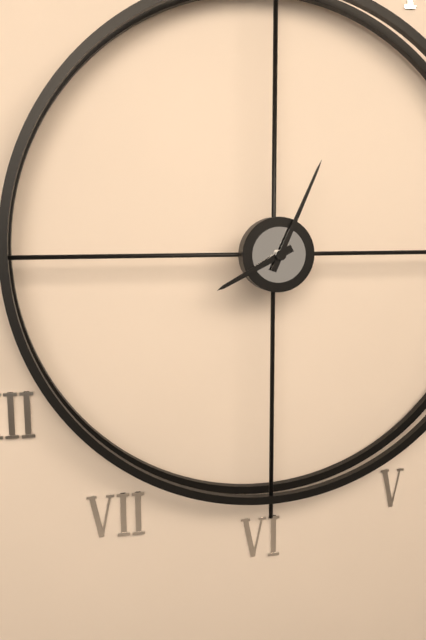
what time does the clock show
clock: 8:04
